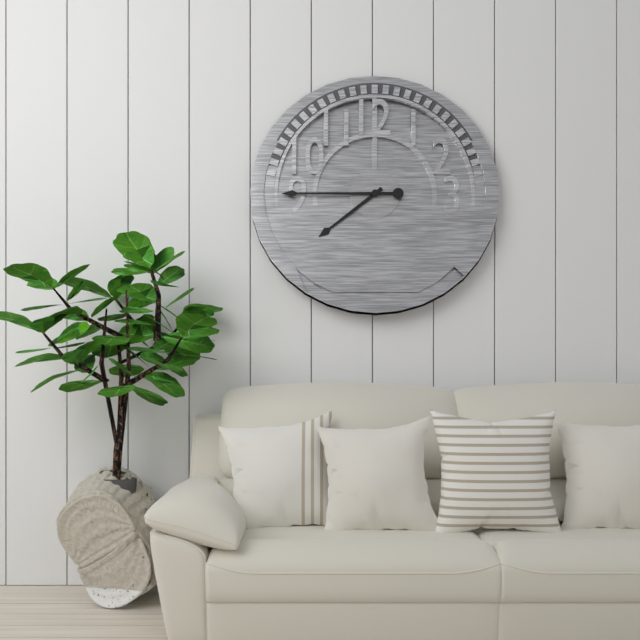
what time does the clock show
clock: 7:45
